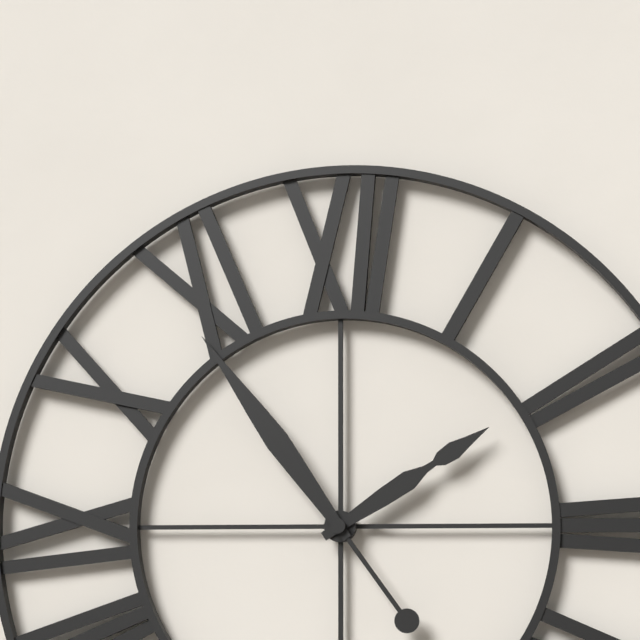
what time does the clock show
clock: 1:54
